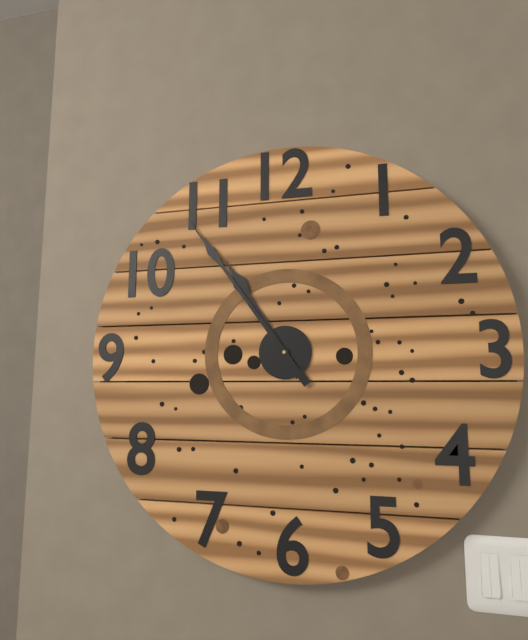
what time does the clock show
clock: 10:54
